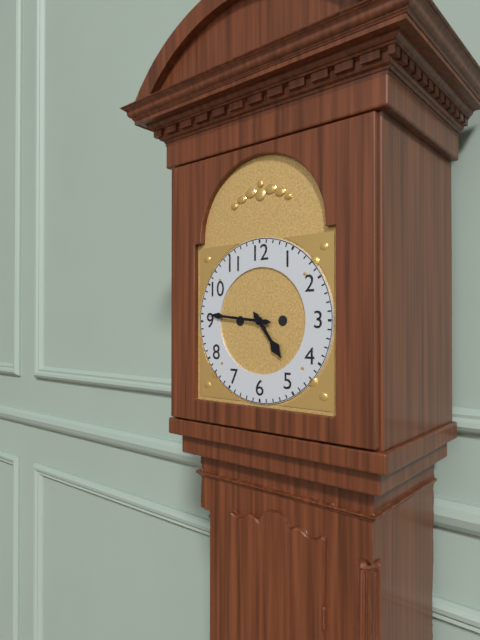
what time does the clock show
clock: 4:46
